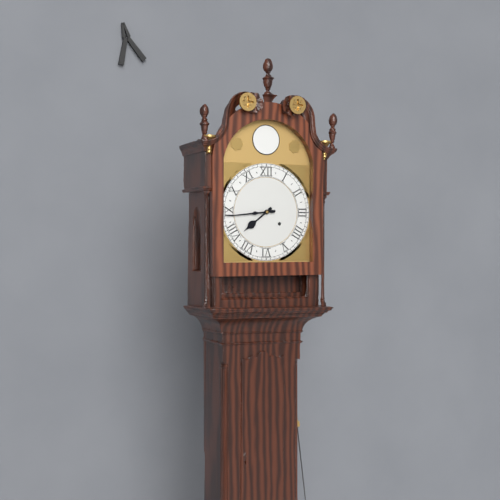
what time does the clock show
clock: 7:44
